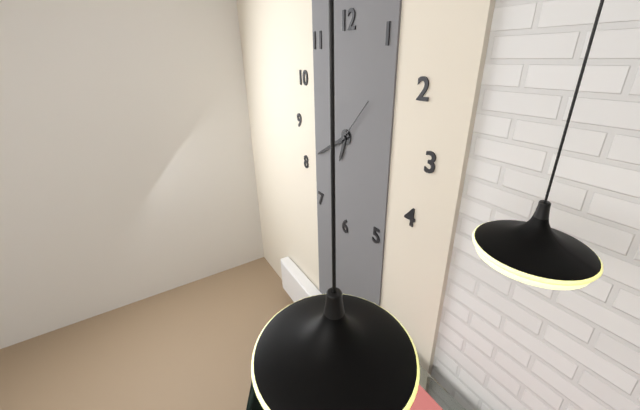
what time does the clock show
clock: 6:40:07
